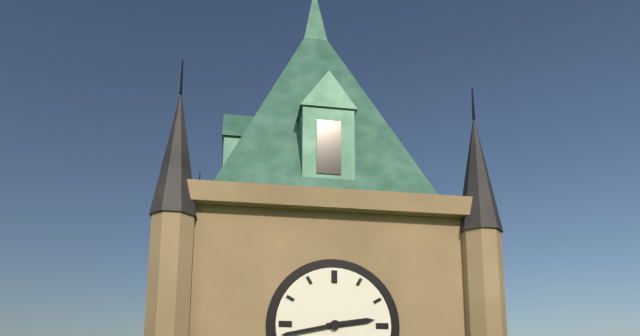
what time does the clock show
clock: 2:43
